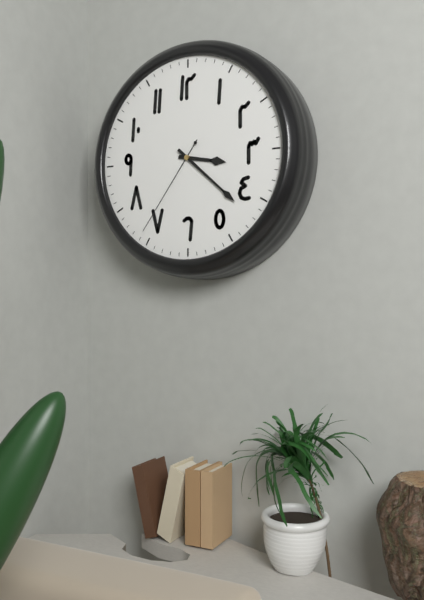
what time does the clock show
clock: 3:22:36
